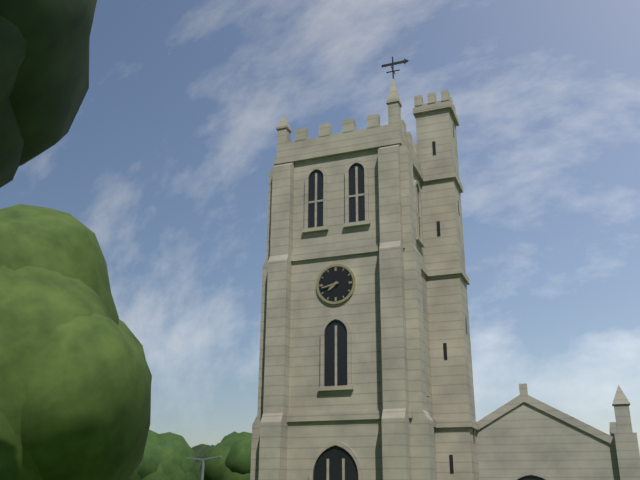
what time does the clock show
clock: 7:43
